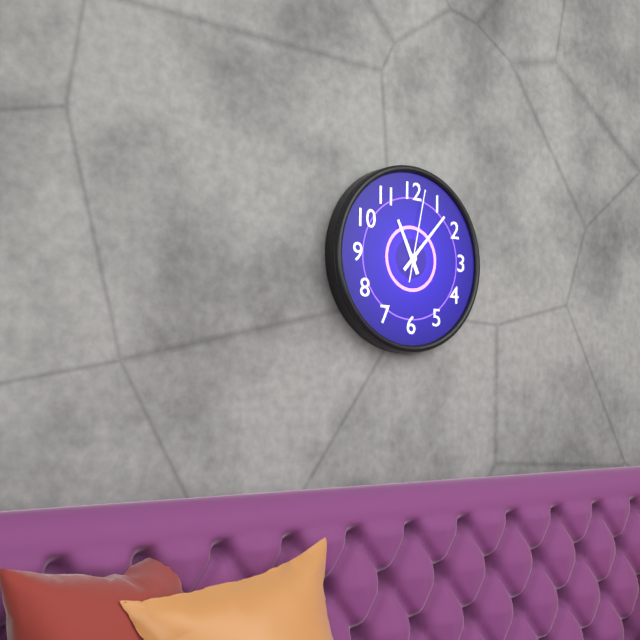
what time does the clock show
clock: 11:07:02
